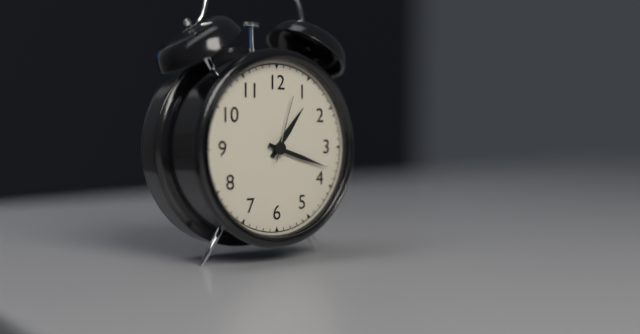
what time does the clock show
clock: 1:18:03
